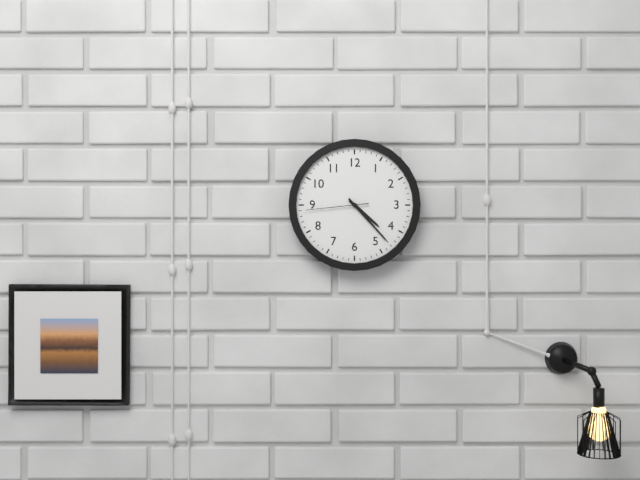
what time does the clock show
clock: 4:23:44
